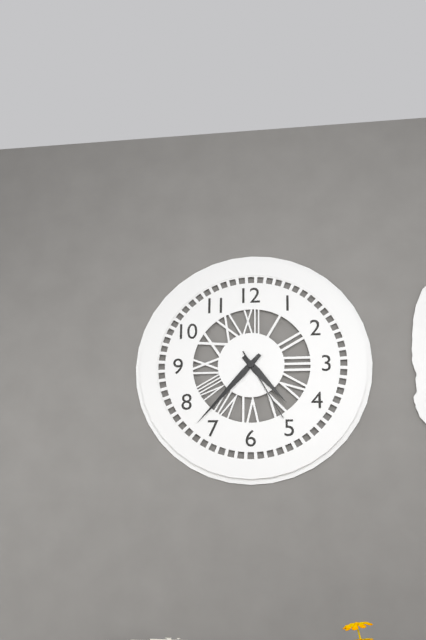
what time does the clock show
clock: 4:37:25
